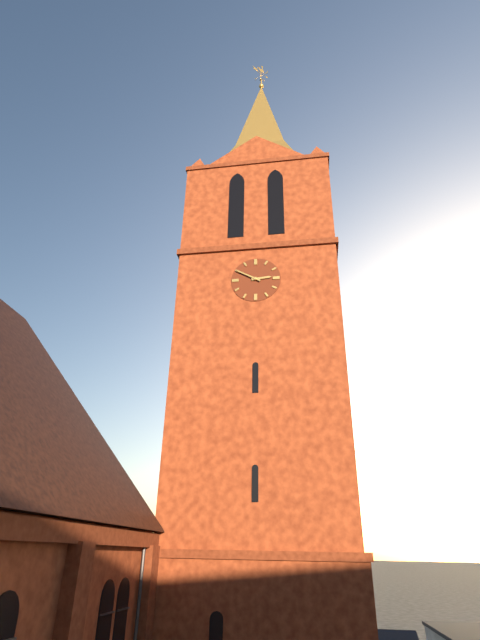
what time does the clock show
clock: 2:50
